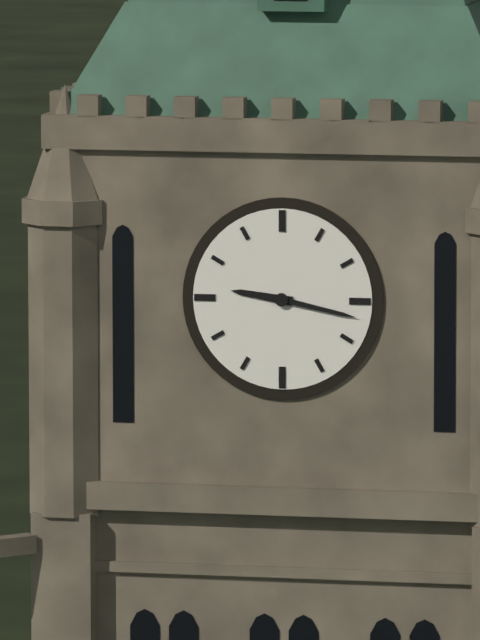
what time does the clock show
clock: 9:17
